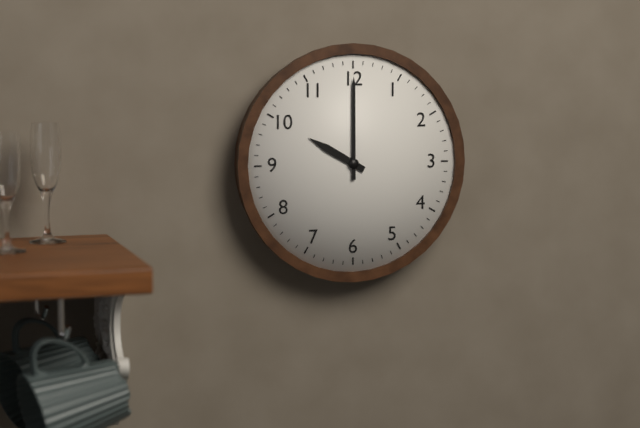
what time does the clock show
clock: 10:00
